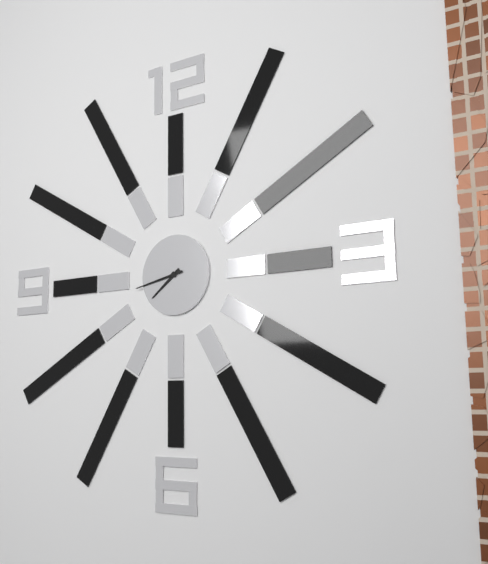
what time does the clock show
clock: 7:43
